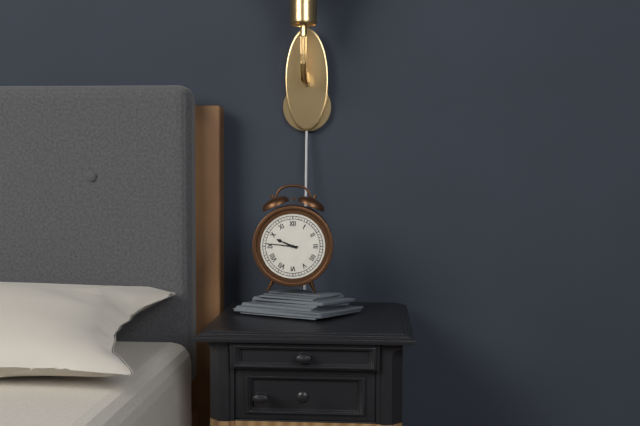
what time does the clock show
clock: 9:46
